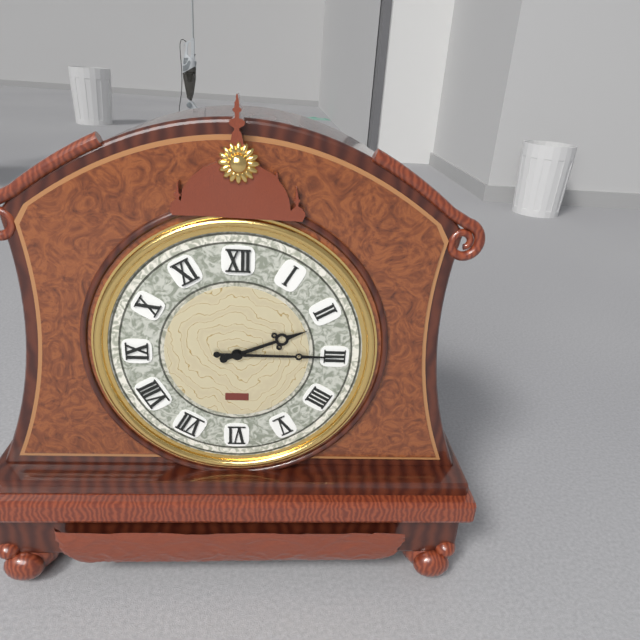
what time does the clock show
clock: 2:15
